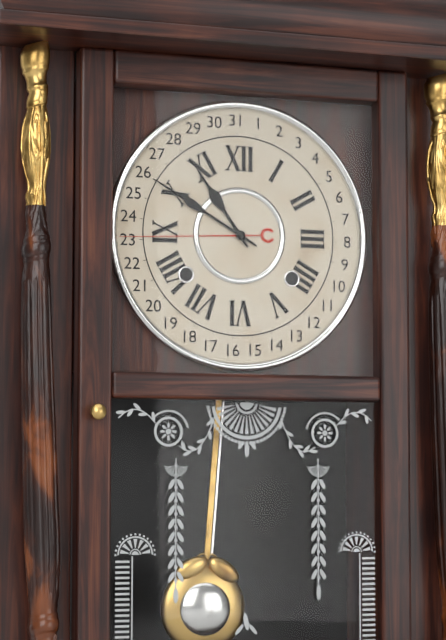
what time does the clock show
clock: 10:50
